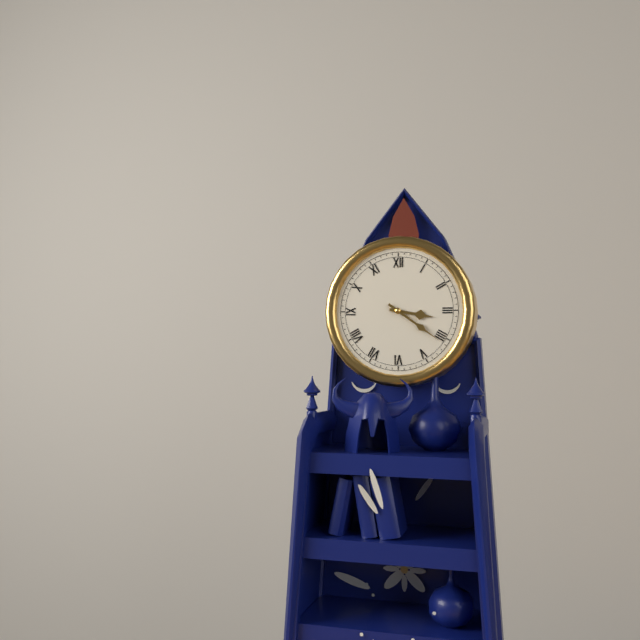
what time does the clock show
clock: 3:21
